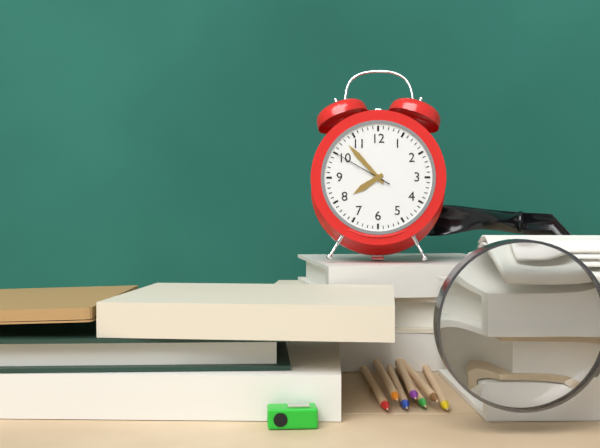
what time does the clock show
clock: 7:53:50
